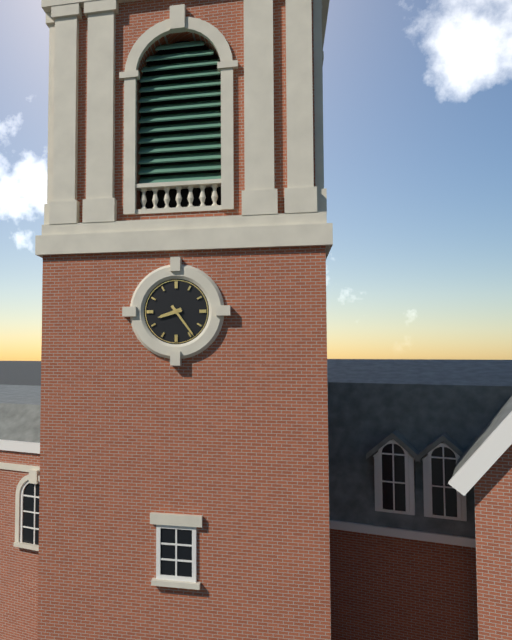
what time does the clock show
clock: 8:24
